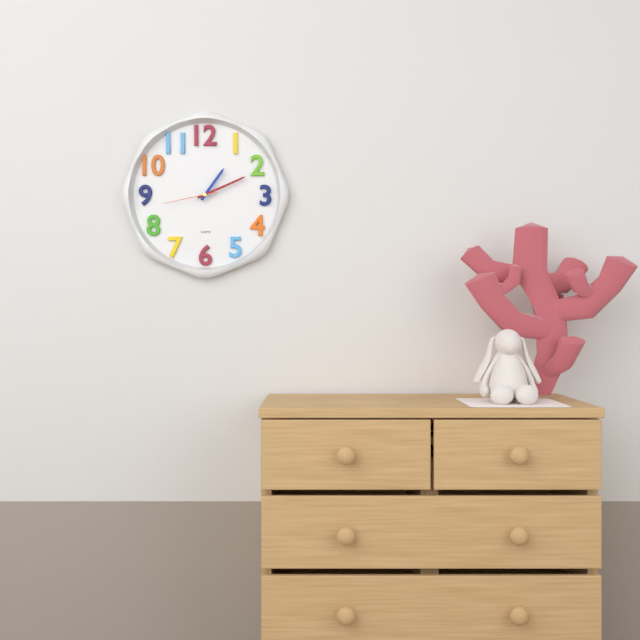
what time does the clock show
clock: 1:11:43
